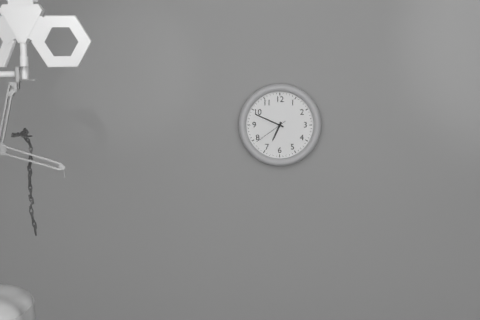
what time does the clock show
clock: 6:49
